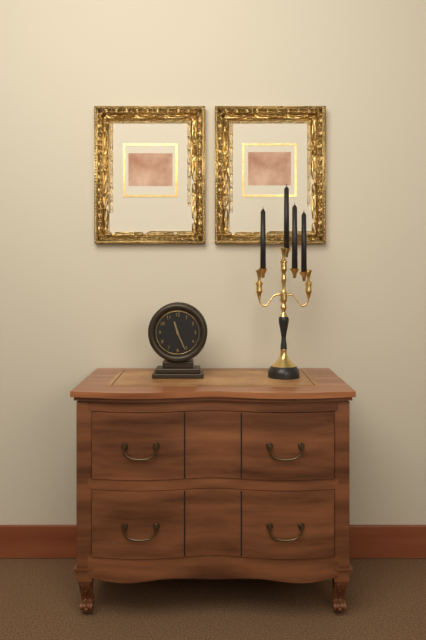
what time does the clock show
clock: 11:26
